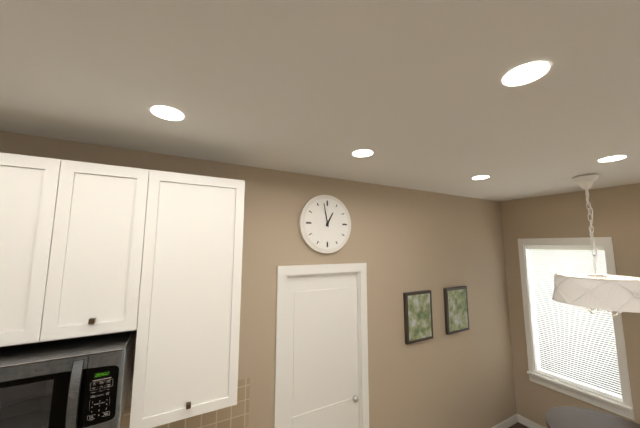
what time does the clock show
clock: 12:58
